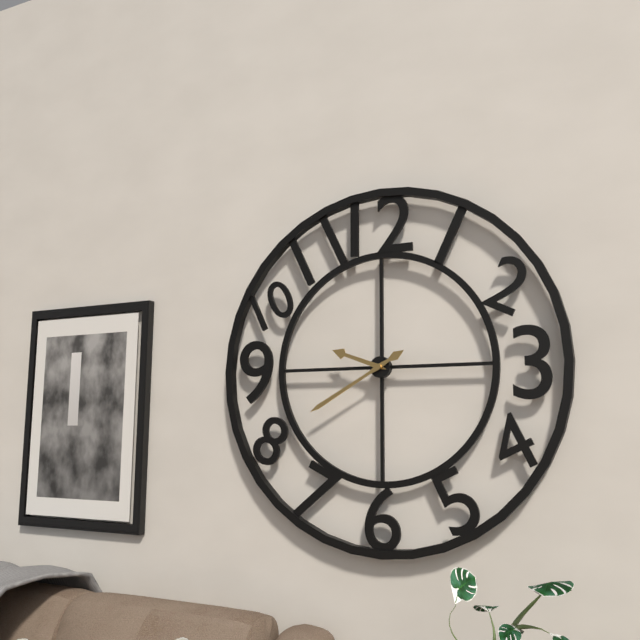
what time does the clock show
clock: 9:40
